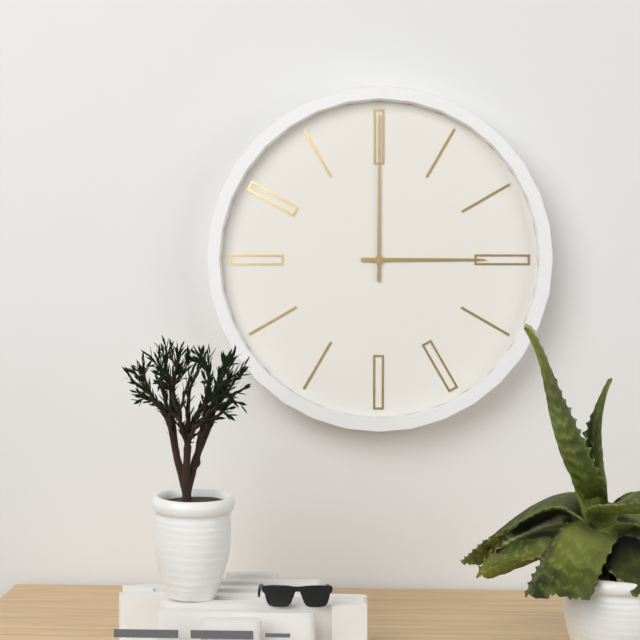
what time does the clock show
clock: 3:00
